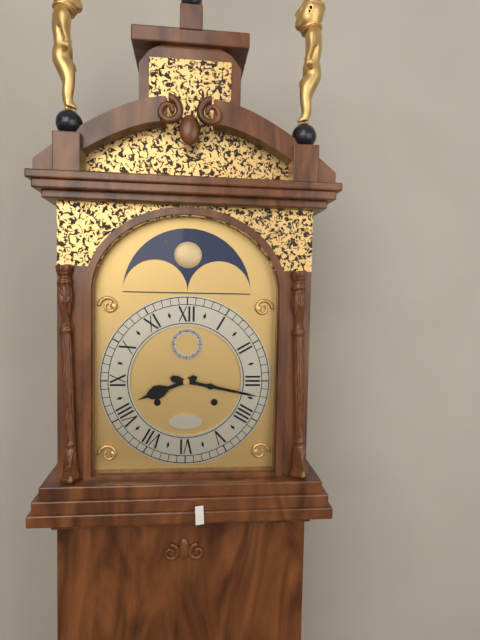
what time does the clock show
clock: 8:17
